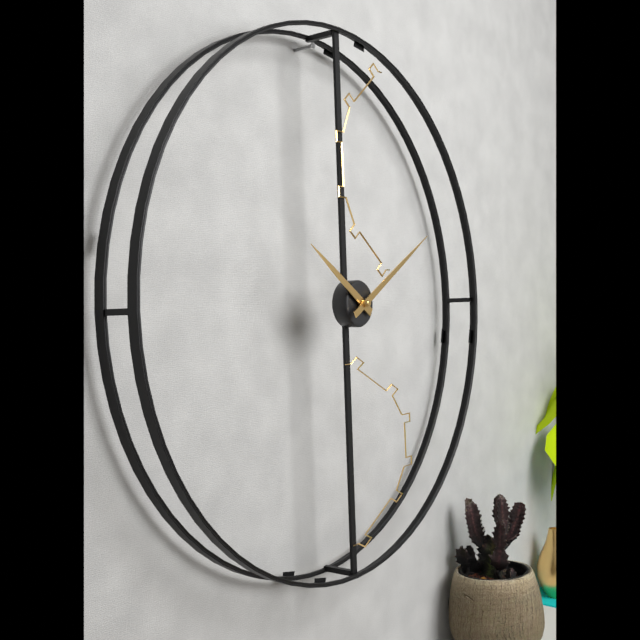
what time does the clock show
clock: 10:10
